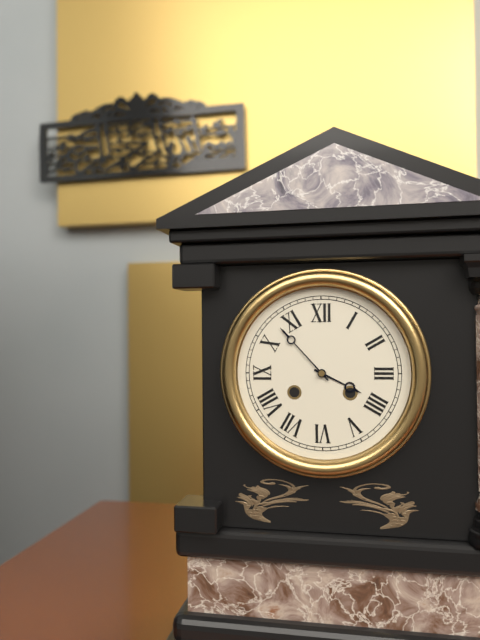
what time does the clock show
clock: 3:53
